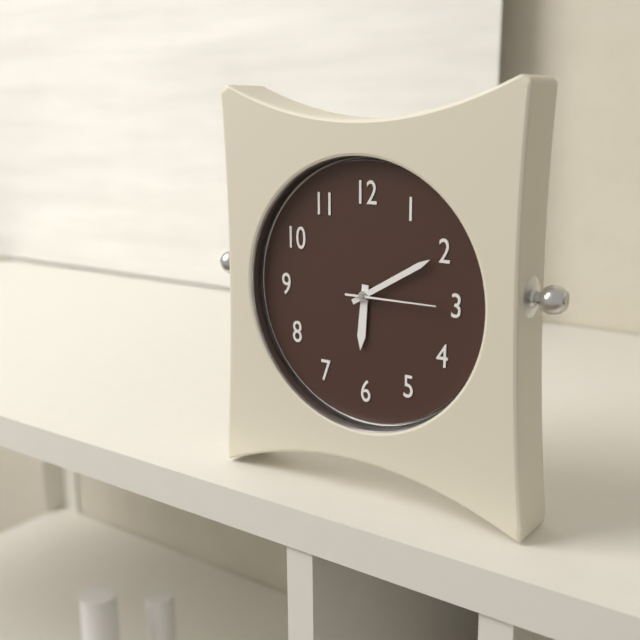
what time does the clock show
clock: 6:10:15
